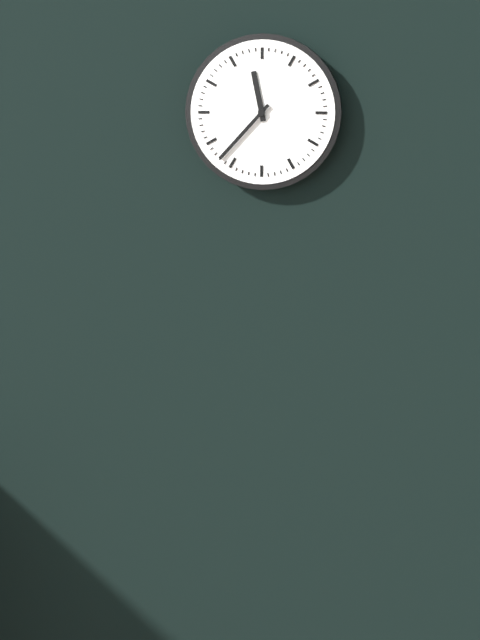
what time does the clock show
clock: 11:37
